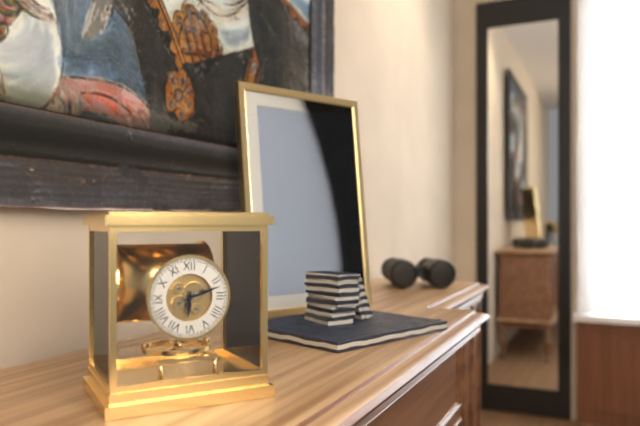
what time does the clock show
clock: 6:12
